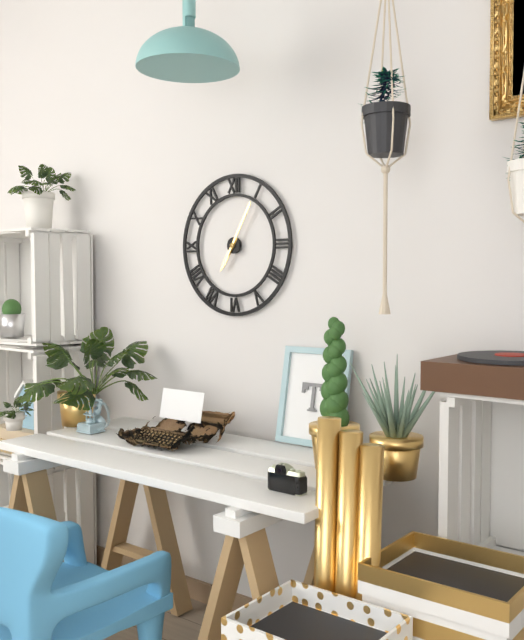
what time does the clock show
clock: 7:05
